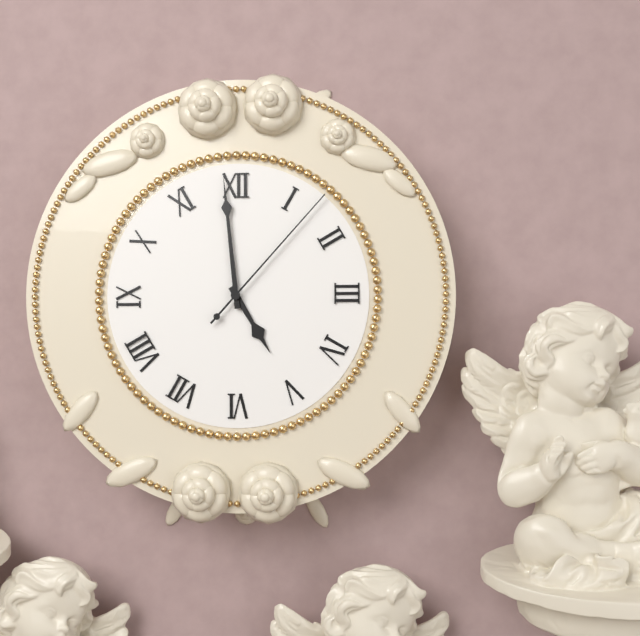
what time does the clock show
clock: 4:59:07
